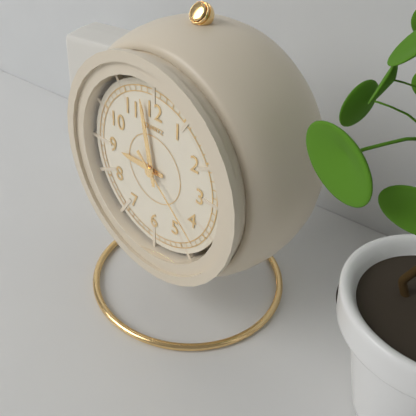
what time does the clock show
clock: 8:58:22
